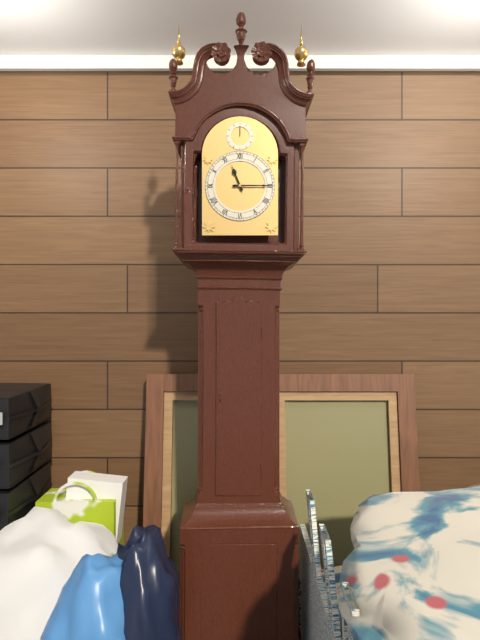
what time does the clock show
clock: 11:15
